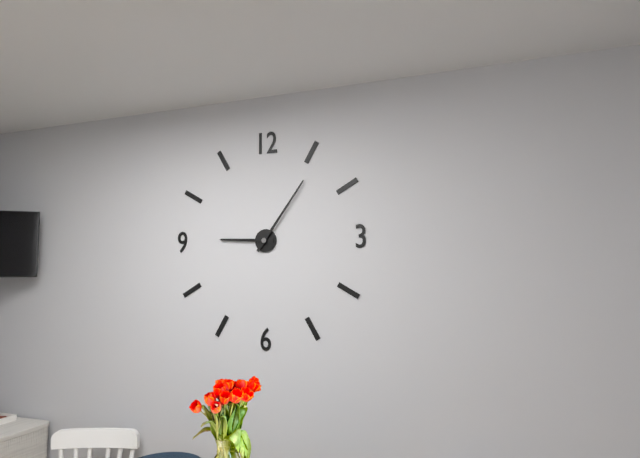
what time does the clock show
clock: 9:06
